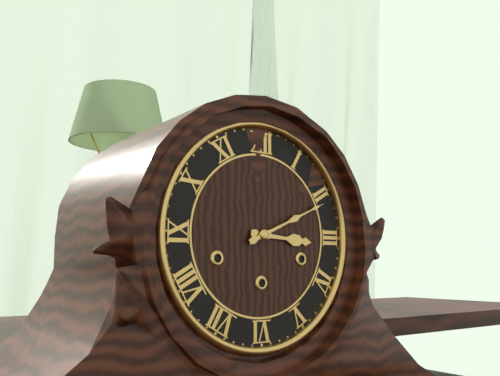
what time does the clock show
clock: 3:11
